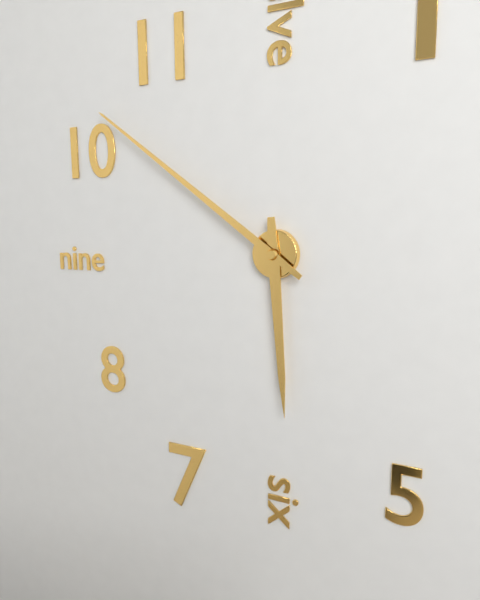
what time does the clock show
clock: 5:51
